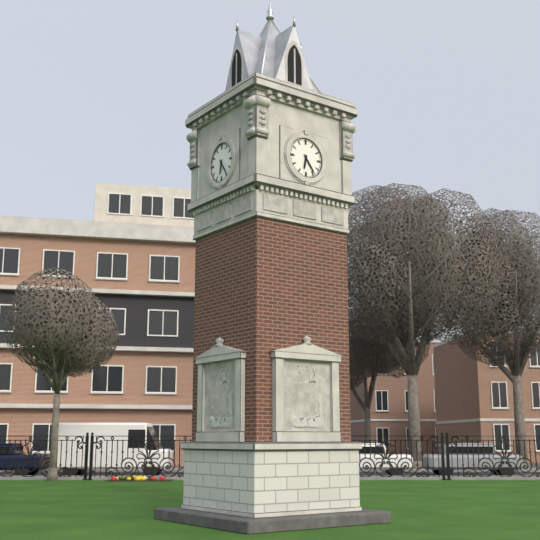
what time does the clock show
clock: 6:24
